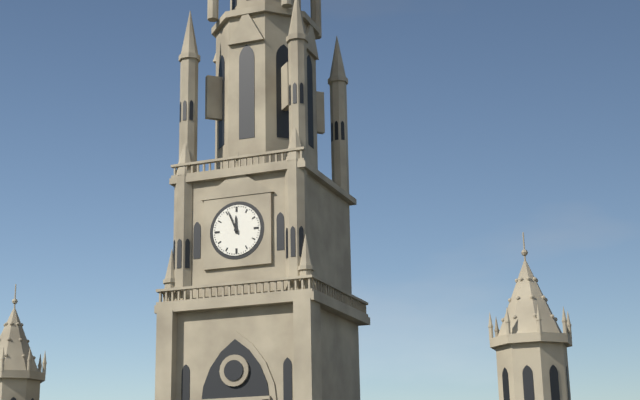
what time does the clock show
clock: 11:56
